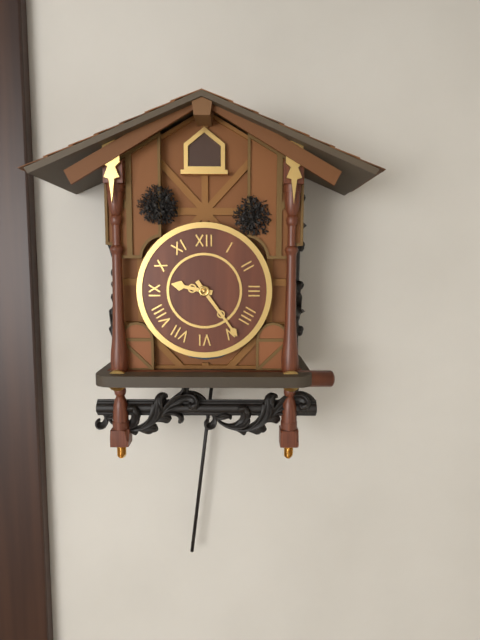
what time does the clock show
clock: 9:24
